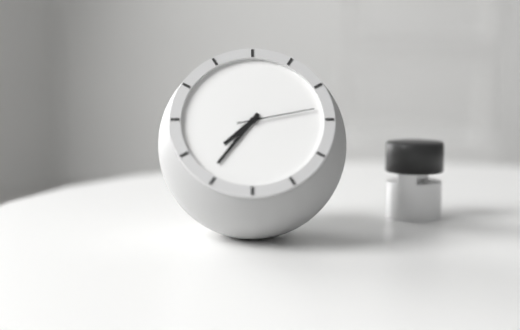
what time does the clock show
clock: 7:36:13
